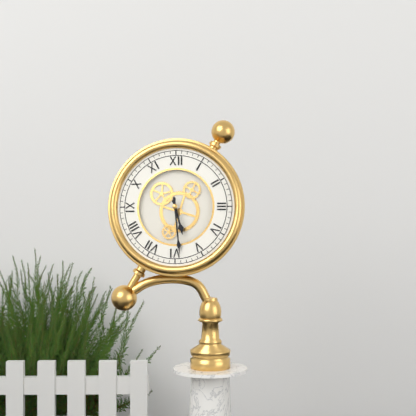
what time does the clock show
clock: 5:29
